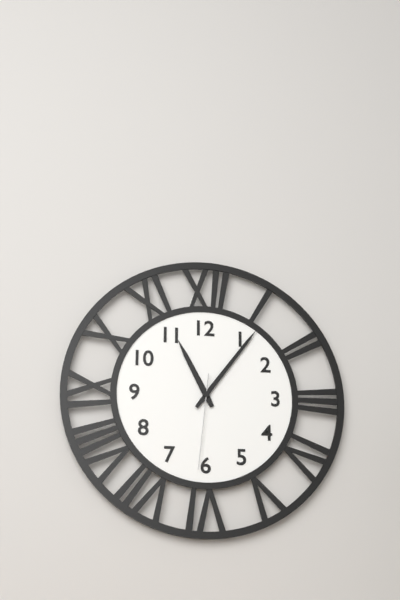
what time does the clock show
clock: 11:06:31
